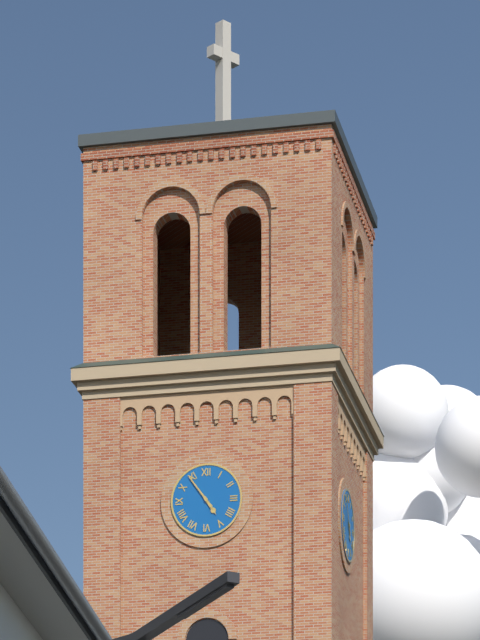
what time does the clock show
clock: 4:54
